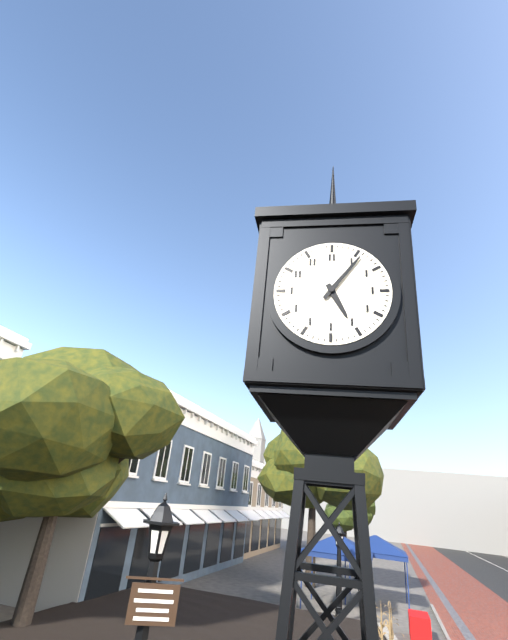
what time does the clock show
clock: 5:06
